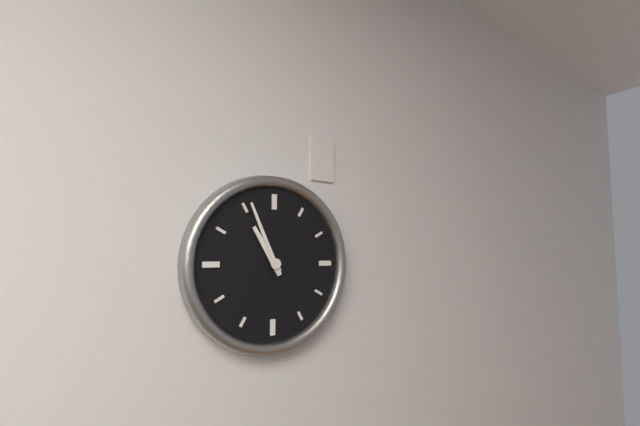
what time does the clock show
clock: 10:56
